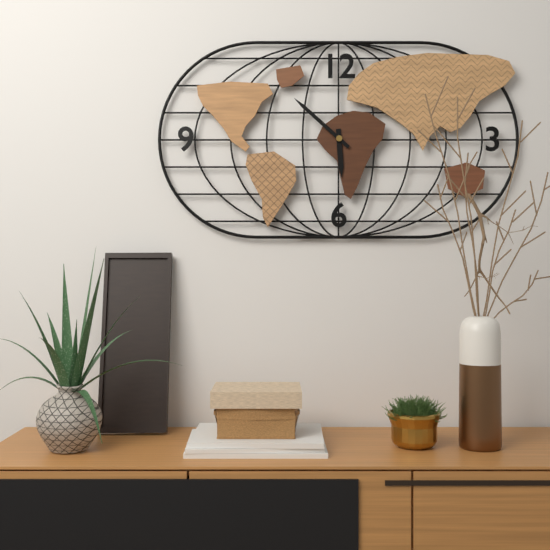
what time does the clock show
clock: 5:52
